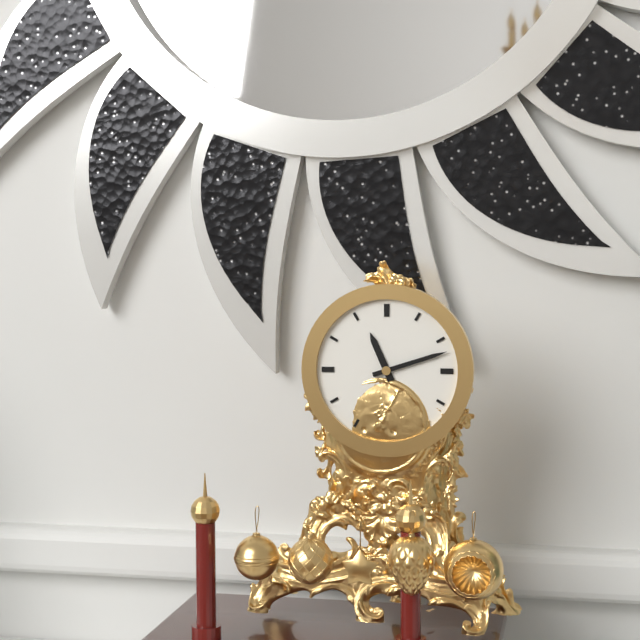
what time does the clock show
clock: 11:12
